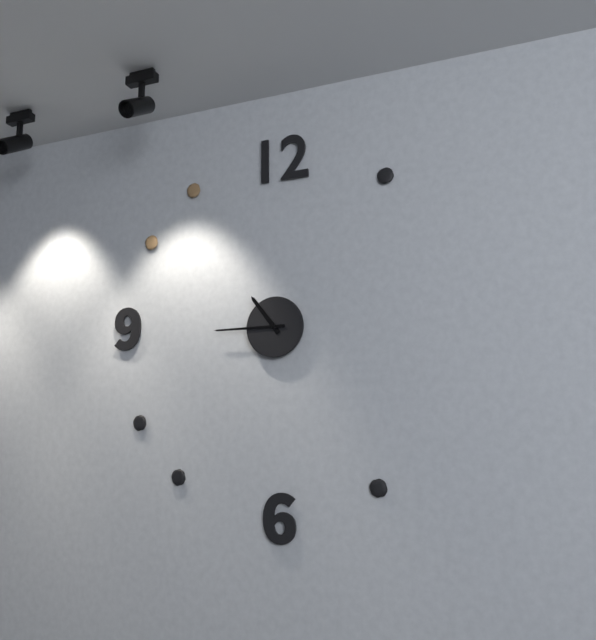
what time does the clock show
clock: 10:45
